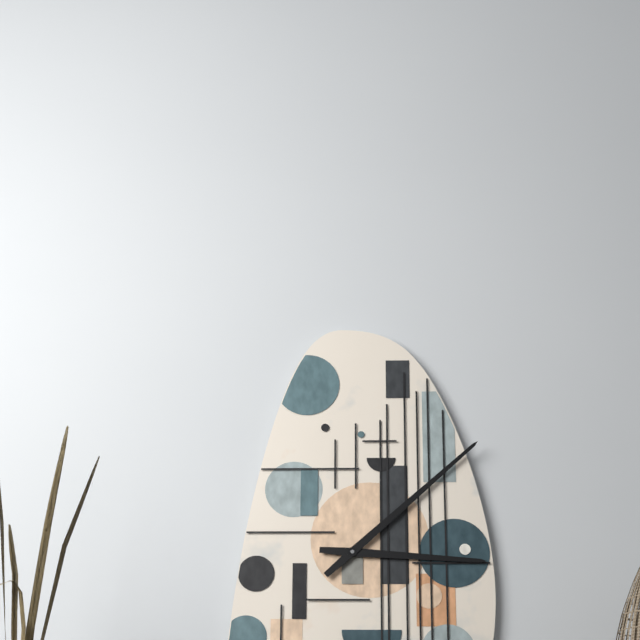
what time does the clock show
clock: 3:08
